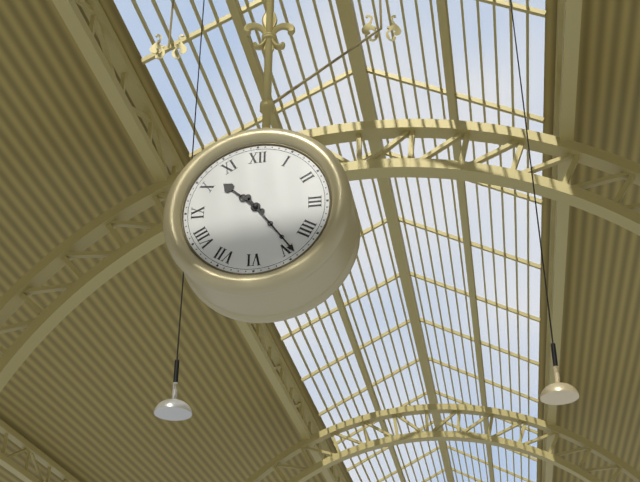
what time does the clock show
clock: 10:24
